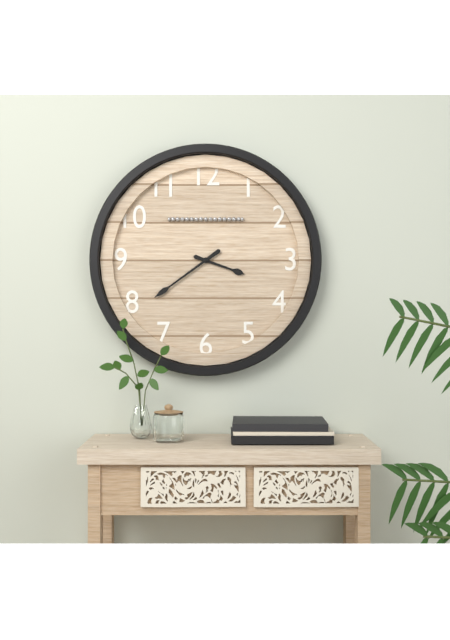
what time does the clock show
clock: 3:39
